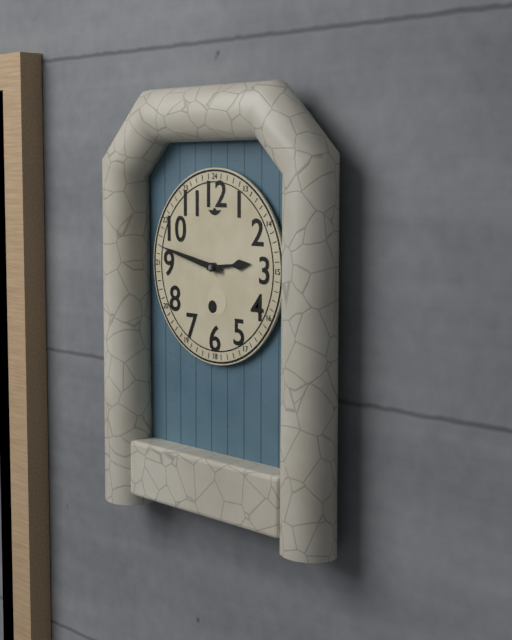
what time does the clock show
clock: 2:47
